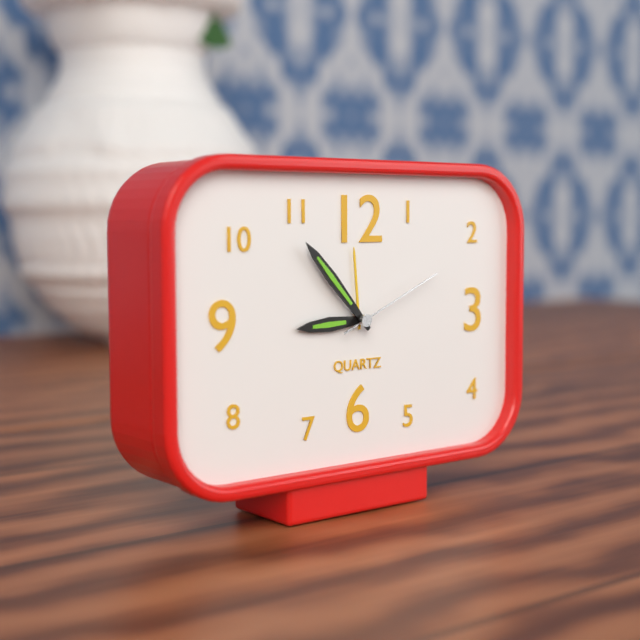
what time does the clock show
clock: 8:53:11
